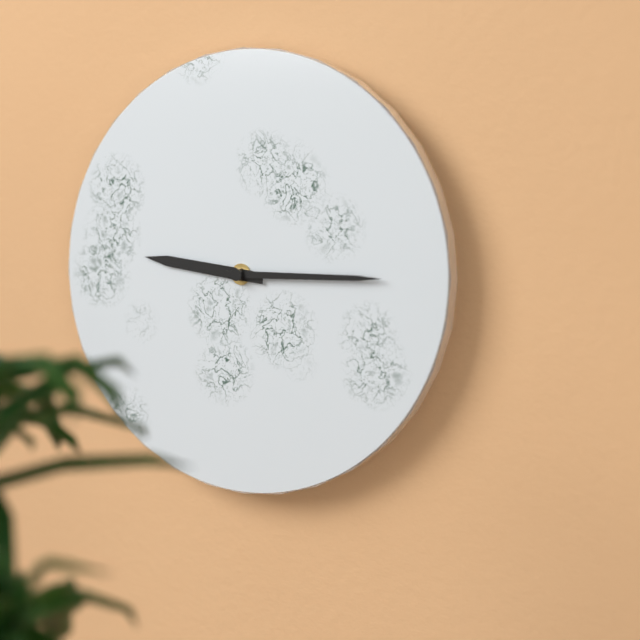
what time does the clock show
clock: 9:15
